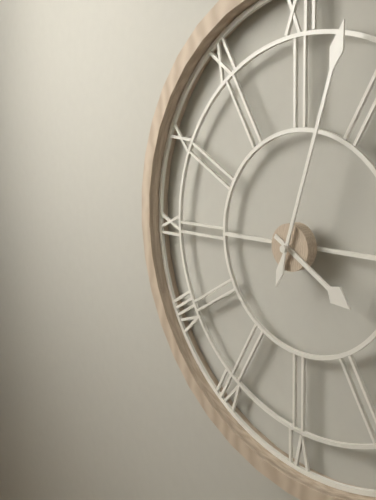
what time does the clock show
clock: 4:03
